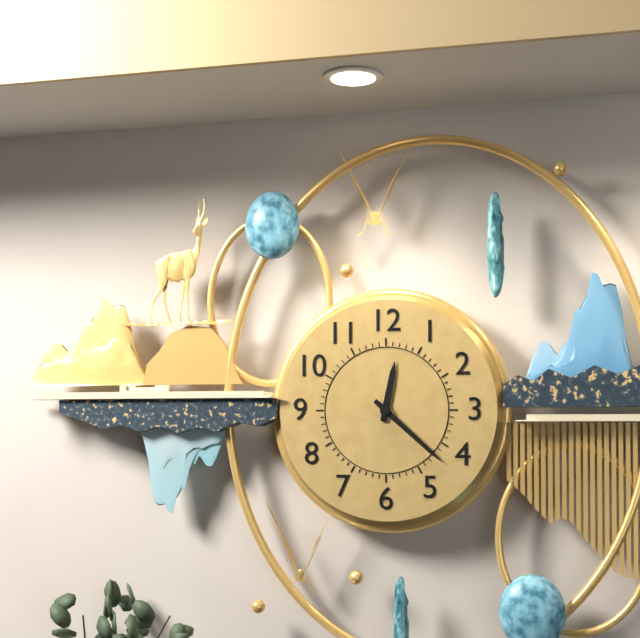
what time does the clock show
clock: 12:22
